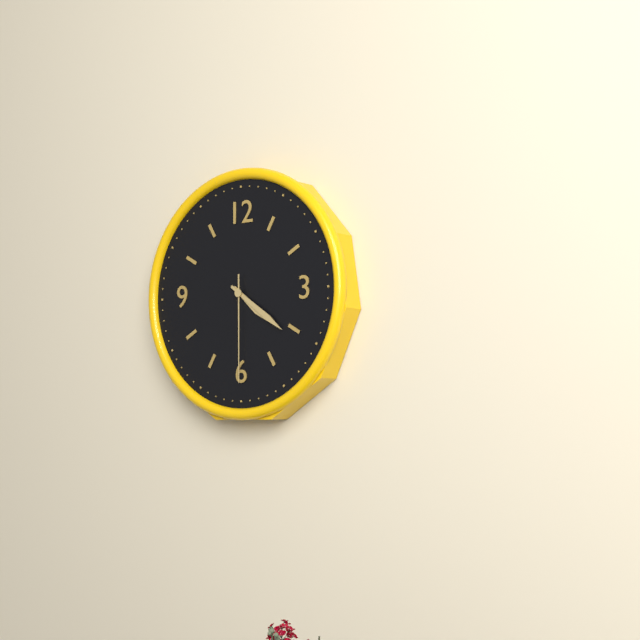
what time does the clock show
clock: 4:21:30
